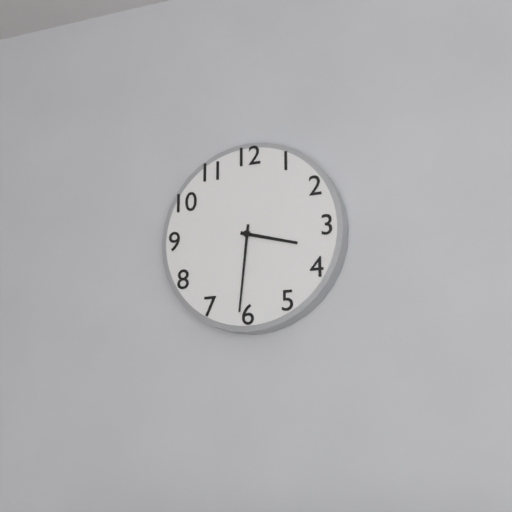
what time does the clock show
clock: 3:31
